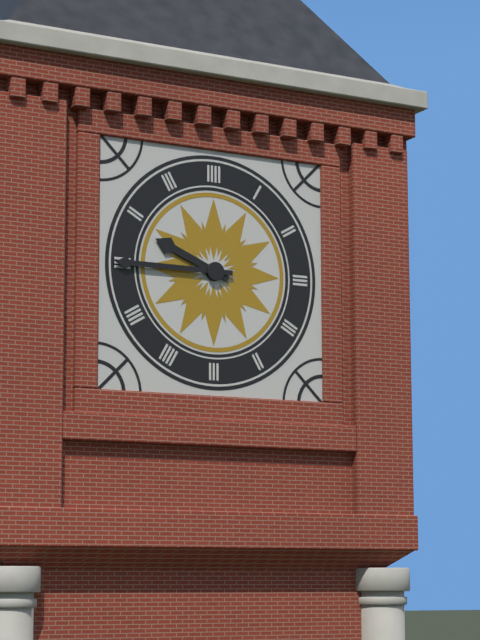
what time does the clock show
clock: 9:45
